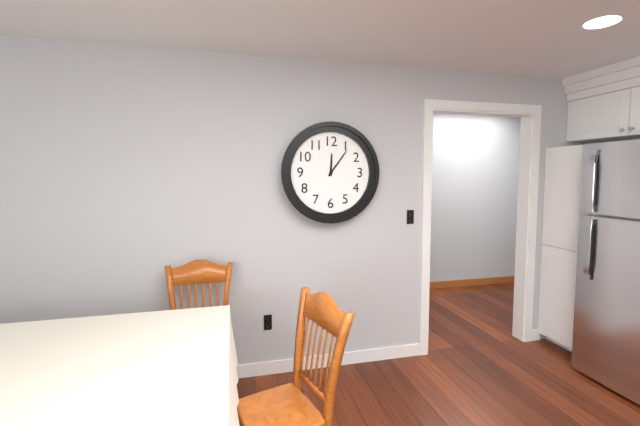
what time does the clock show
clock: 12:06
